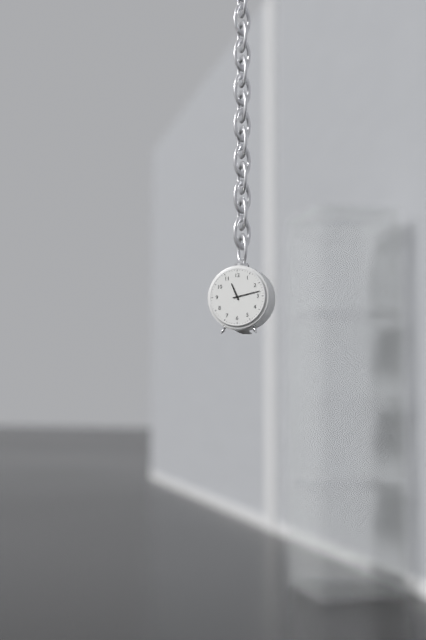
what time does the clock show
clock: 11:13
